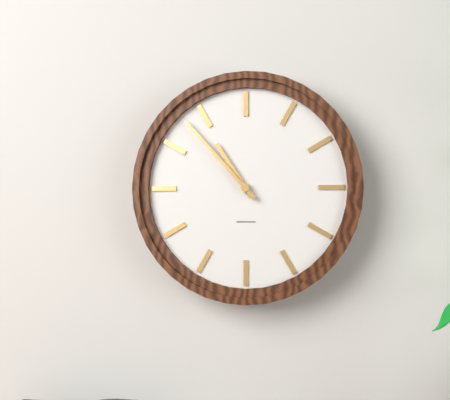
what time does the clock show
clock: 10:53
